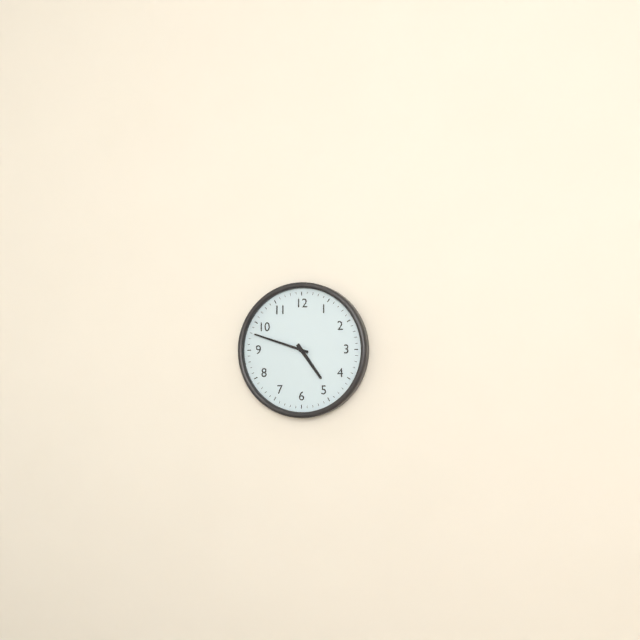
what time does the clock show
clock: 4:48
